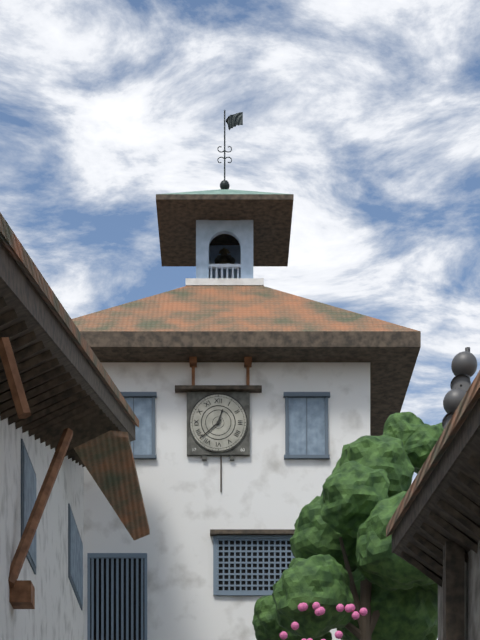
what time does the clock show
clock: 12:38
